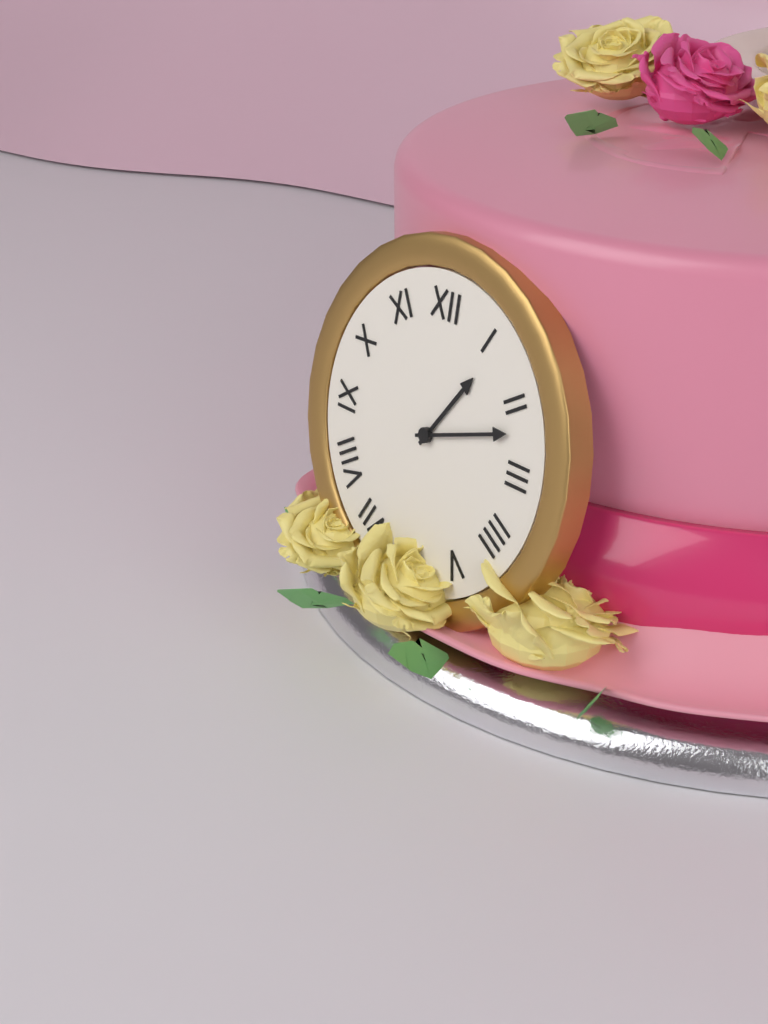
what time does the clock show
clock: 1:12
